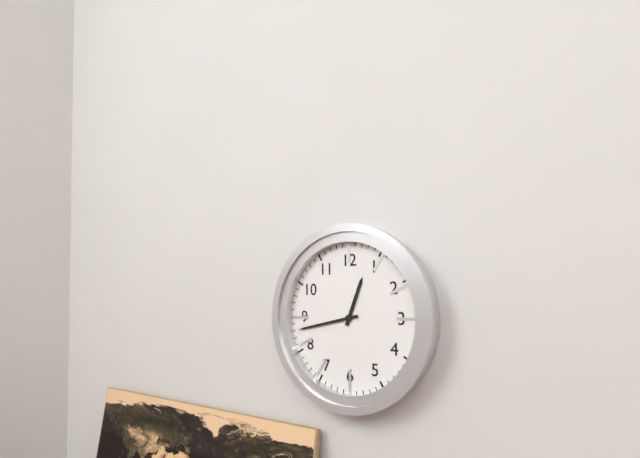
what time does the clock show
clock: 12:43
